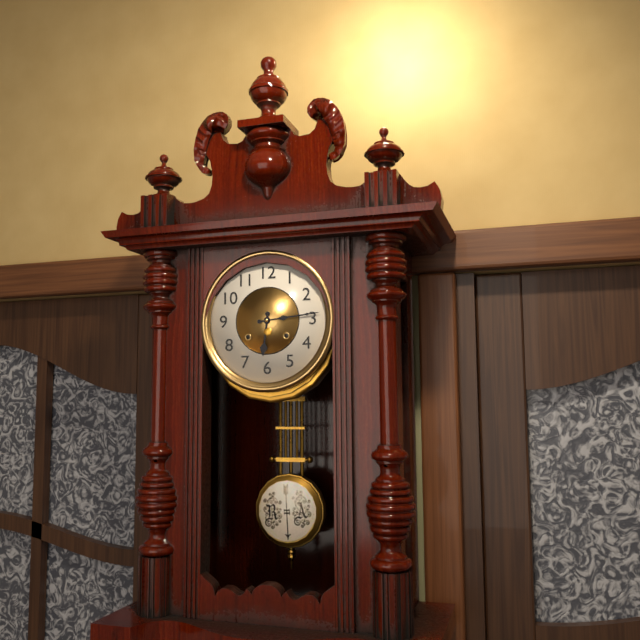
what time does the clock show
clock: 6:14
